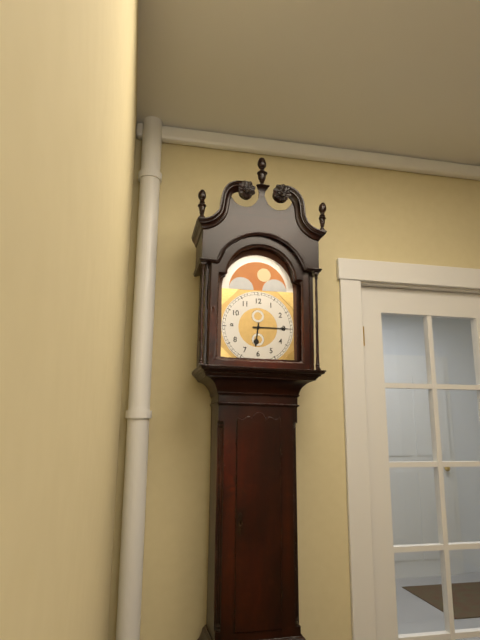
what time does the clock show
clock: 6:15
